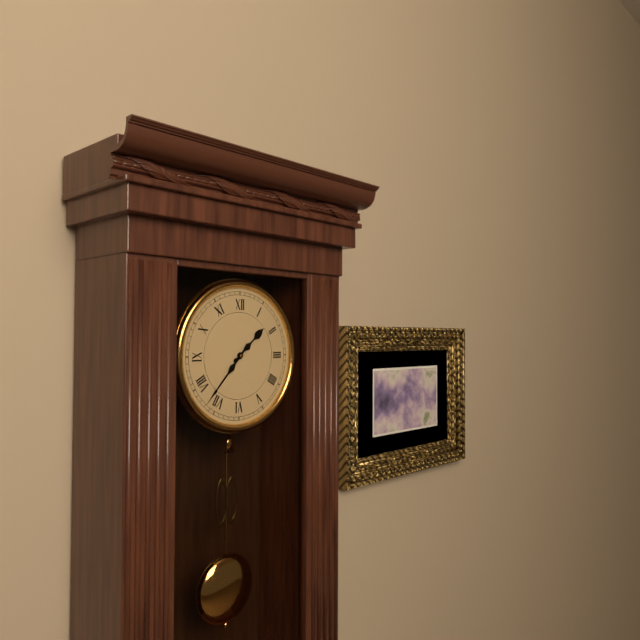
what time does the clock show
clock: 1:37
